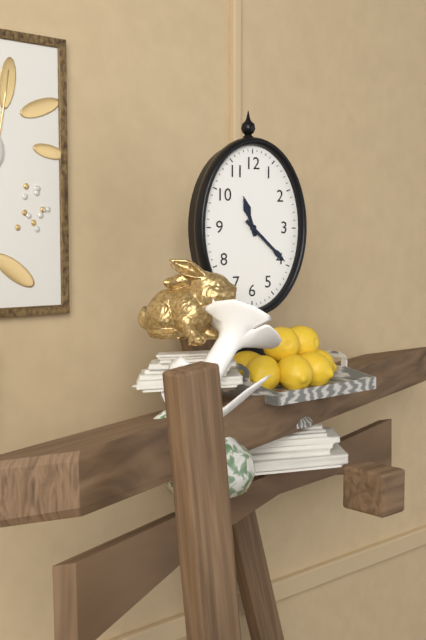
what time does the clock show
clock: 11:22
